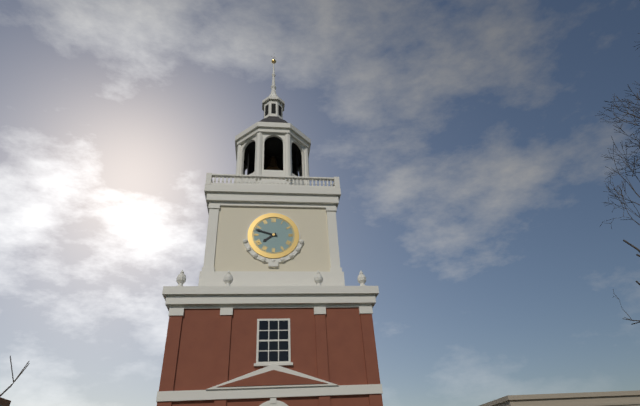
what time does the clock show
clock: 7:48
